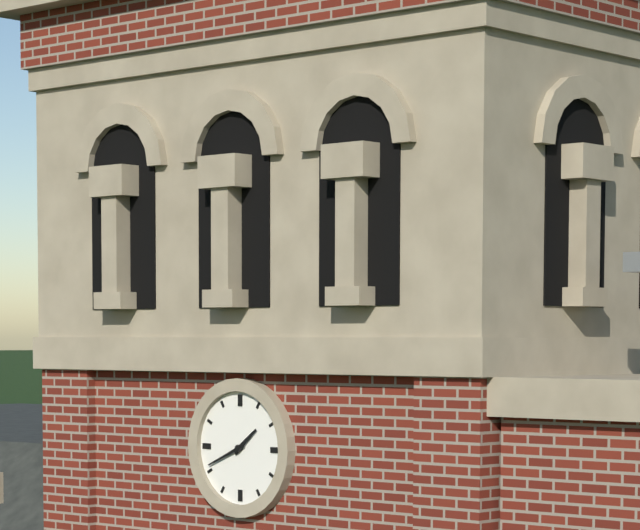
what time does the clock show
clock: 1:41
